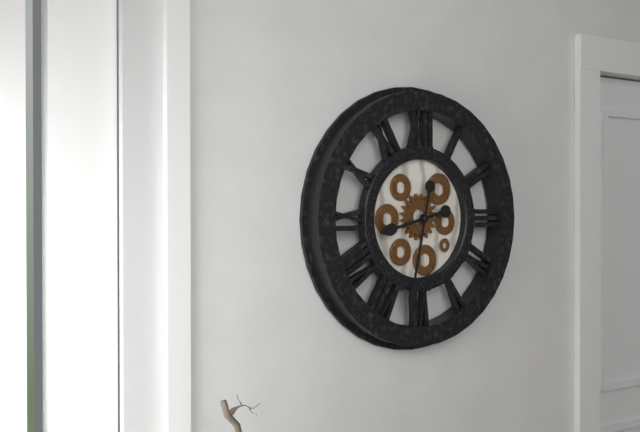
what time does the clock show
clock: 8:32
